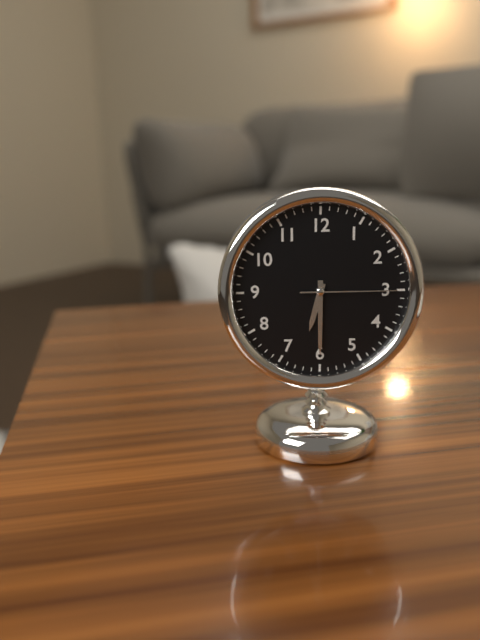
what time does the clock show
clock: 6:30:15
